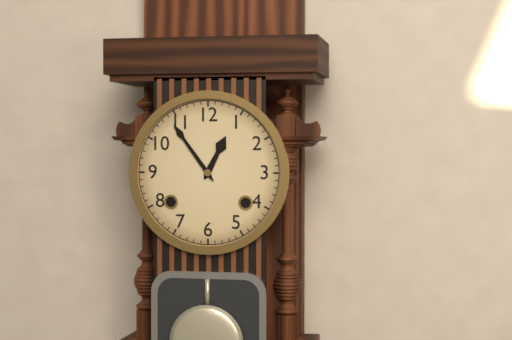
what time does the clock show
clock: 12:54
